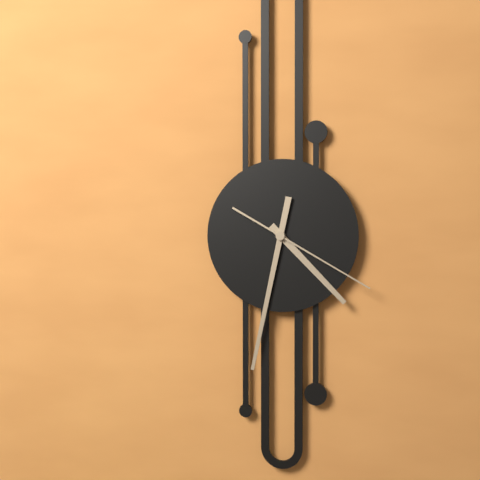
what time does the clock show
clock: 4:32:20
